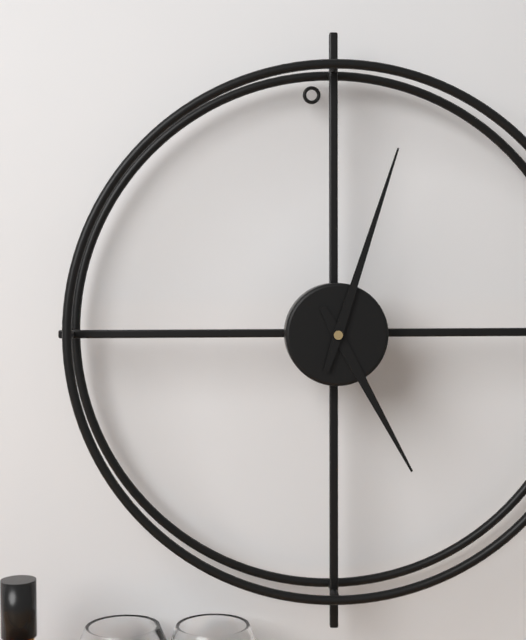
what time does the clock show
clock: 5:03
